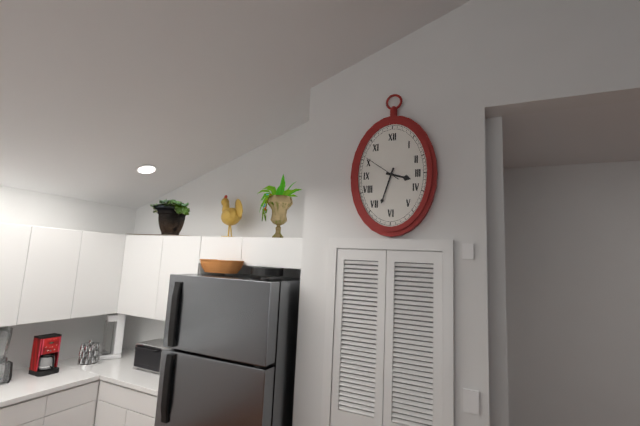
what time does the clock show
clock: 3:33
